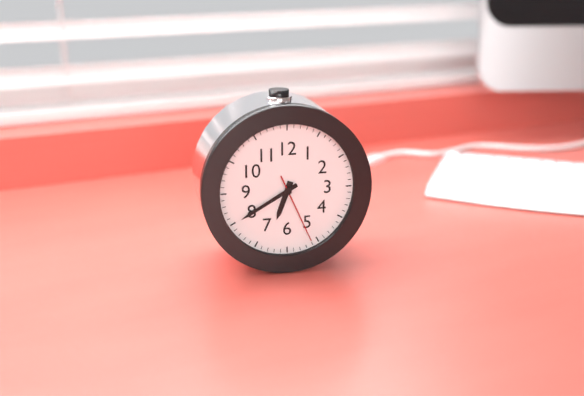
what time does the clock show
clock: 6:40:26
